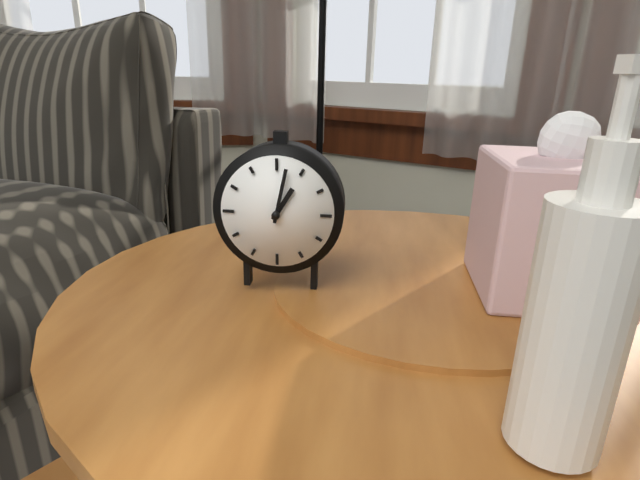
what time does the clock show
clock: 1:02
